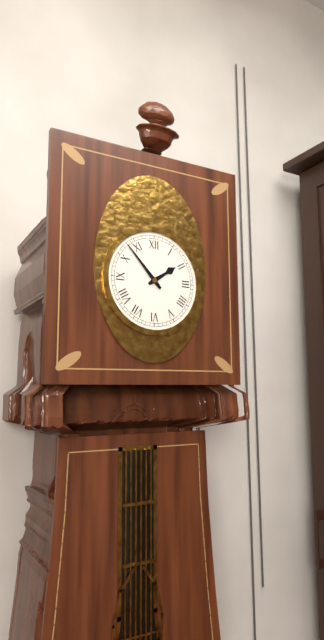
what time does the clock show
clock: 1:53
